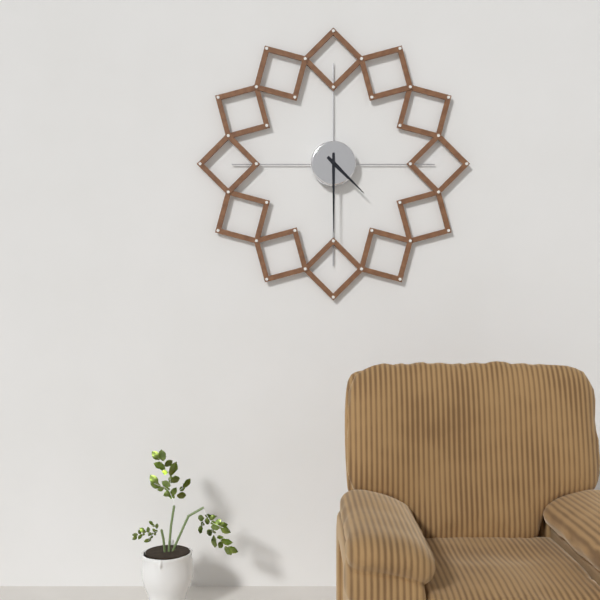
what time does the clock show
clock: 4:30
